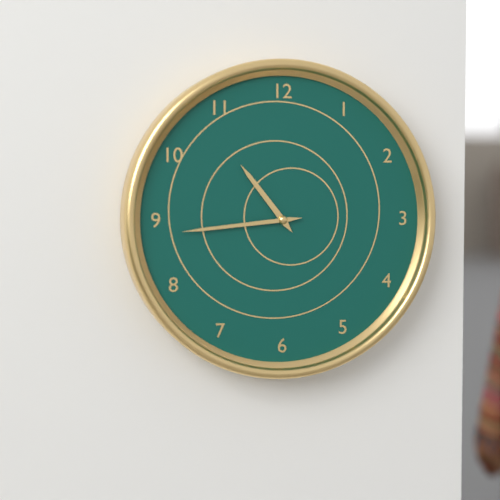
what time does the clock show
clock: 10:44
